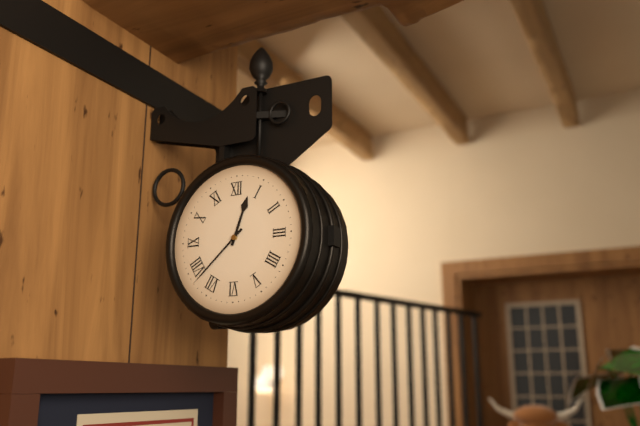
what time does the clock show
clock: 12:38
